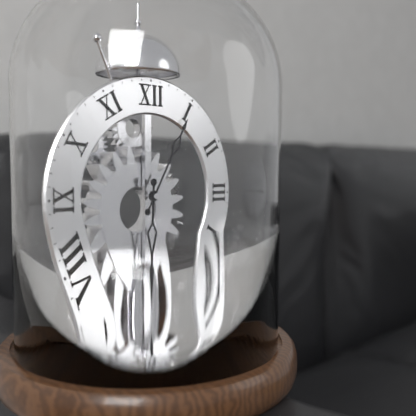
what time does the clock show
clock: 6:05
